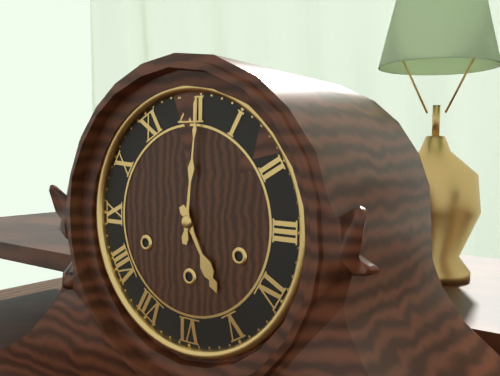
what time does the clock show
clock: 5:01
